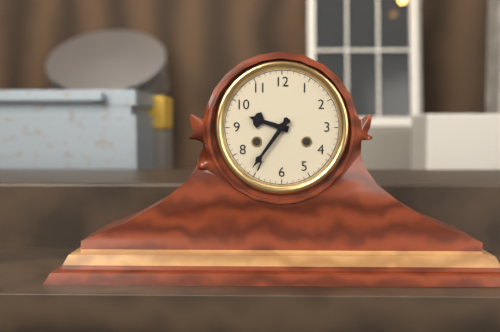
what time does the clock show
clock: 9:36
